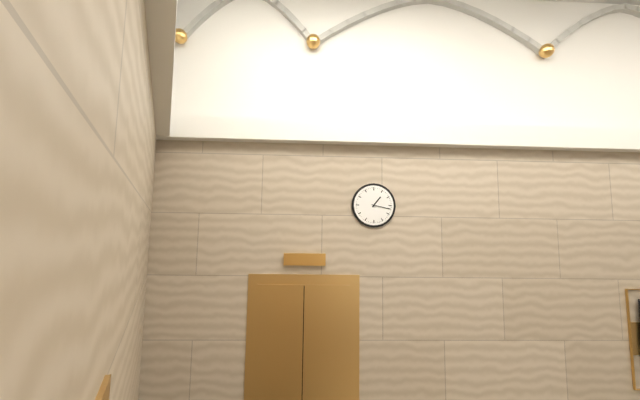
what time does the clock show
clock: 1:17
